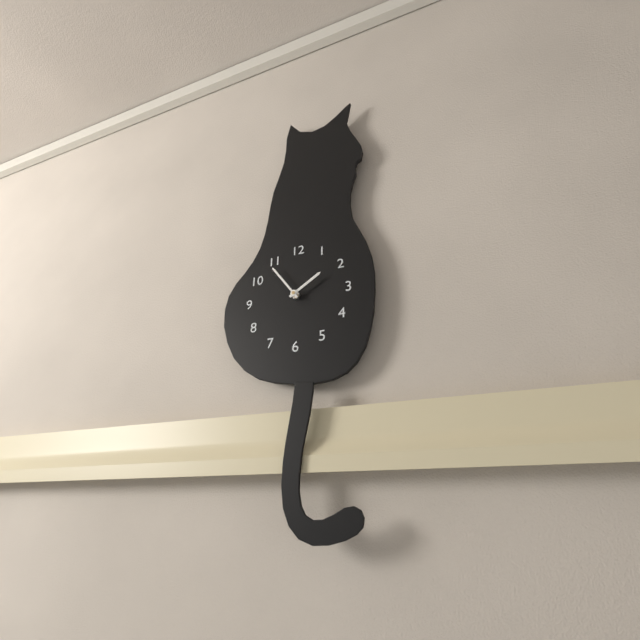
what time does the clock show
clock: 1:54
